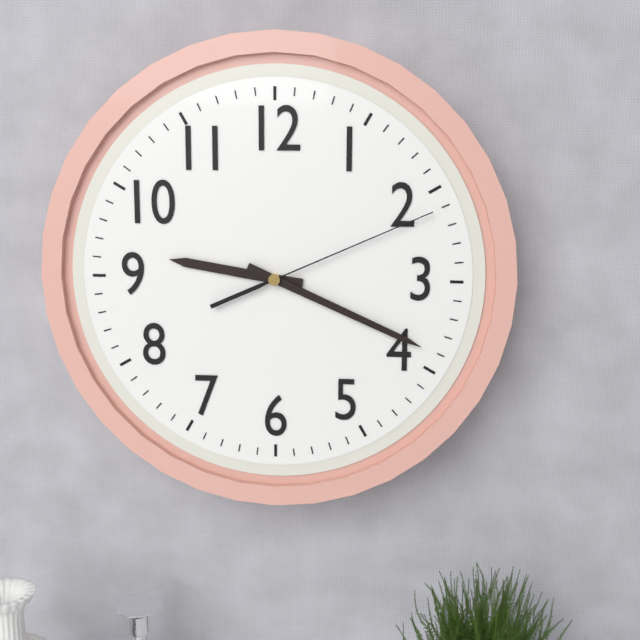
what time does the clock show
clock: 9:19:11
